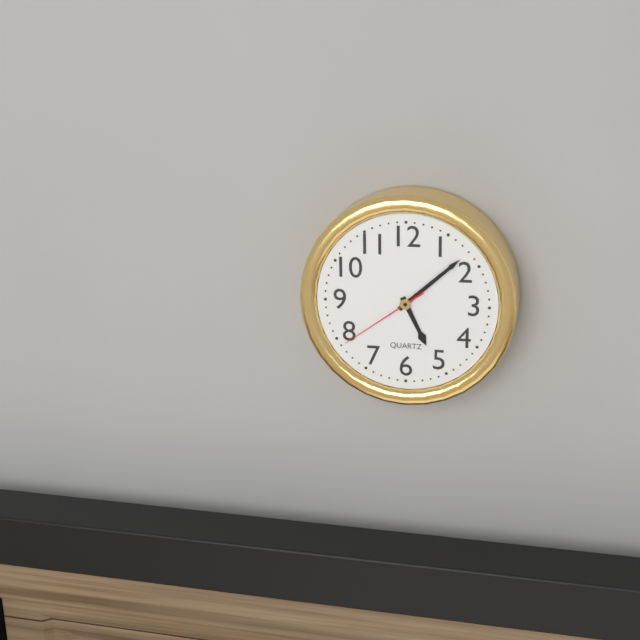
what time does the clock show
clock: 5:08:39
